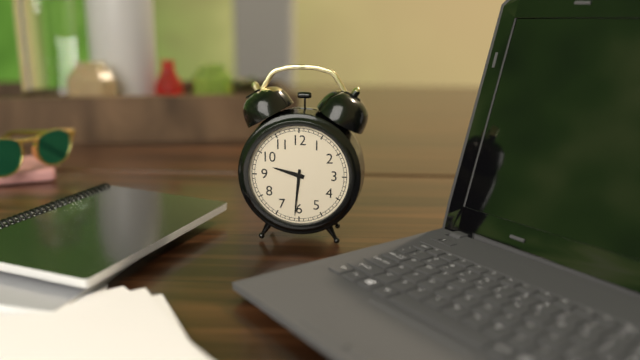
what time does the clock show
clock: 9:31
